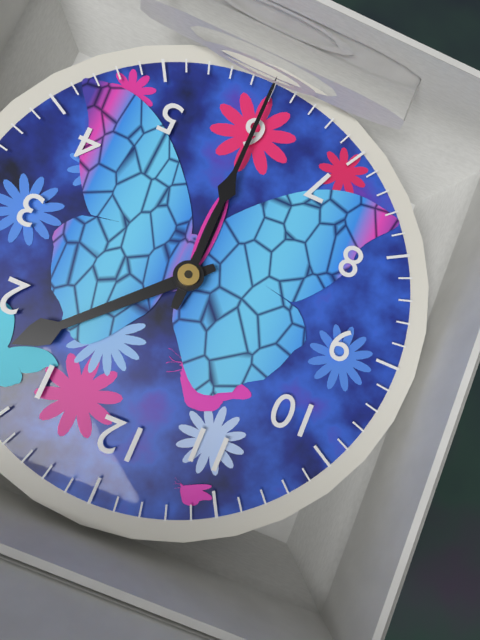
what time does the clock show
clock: 1:30
